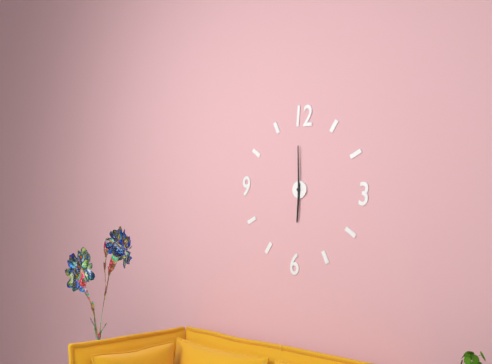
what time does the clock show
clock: 5:59
